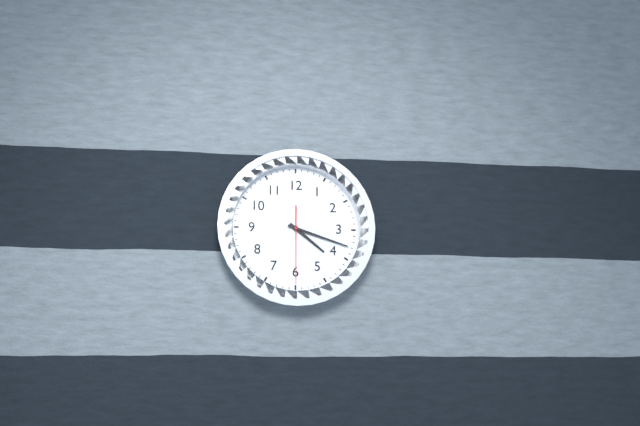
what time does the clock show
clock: 4:18:30
